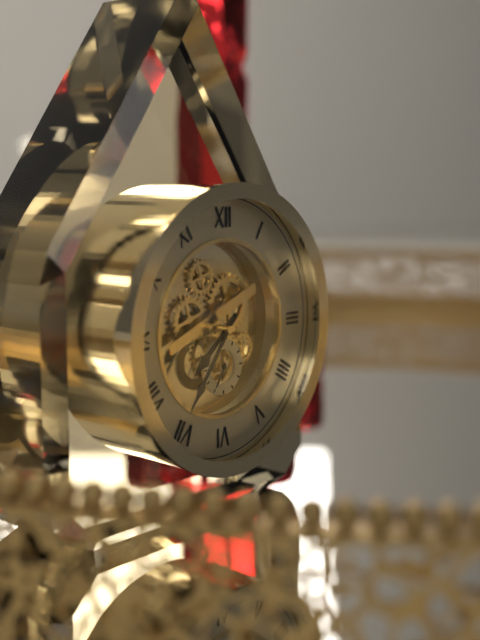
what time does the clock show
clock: 7:36
